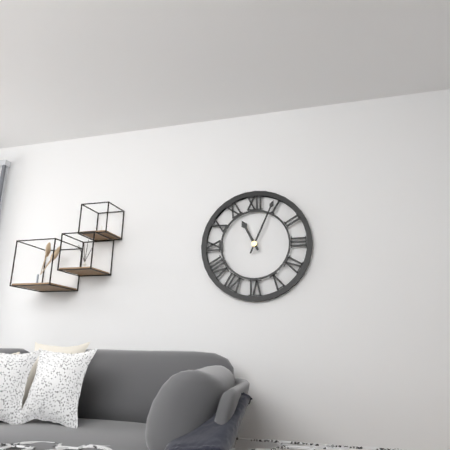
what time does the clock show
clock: 11:04
